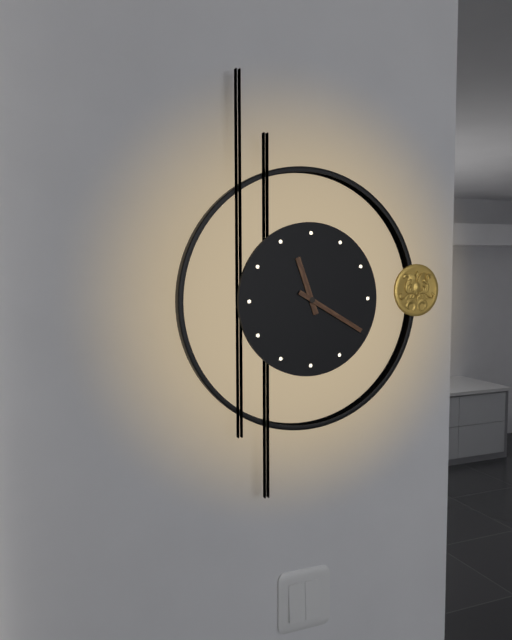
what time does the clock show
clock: 11:20
